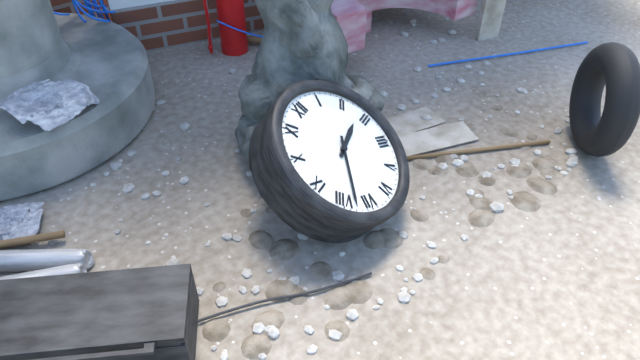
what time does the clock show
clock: 2:38
